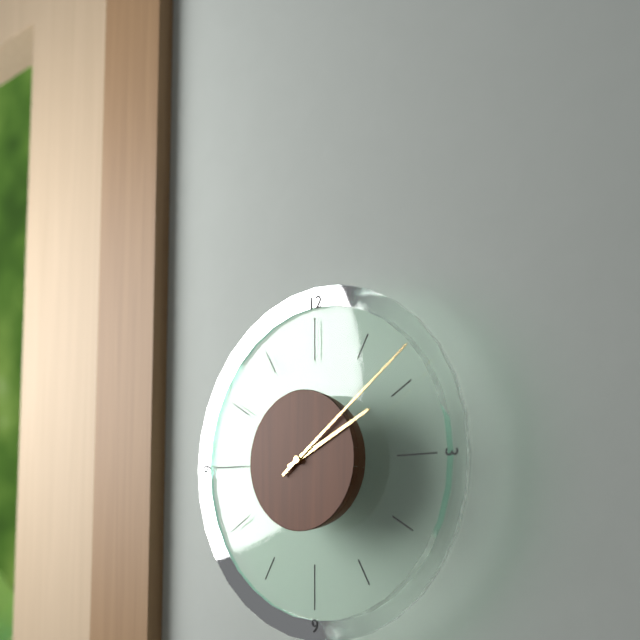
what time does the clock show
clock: 2:09
